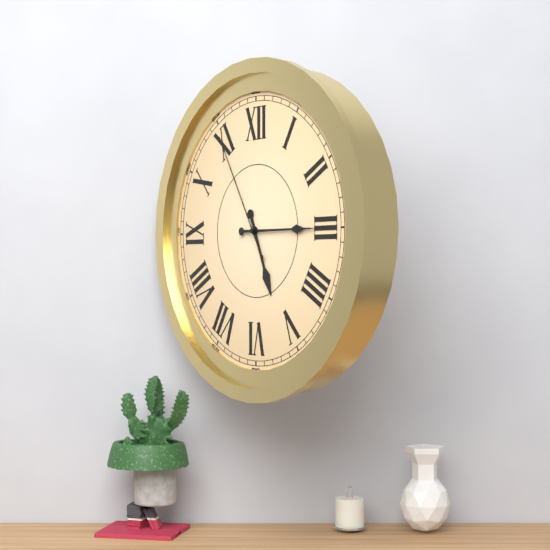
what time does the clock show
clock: 5:15:55
